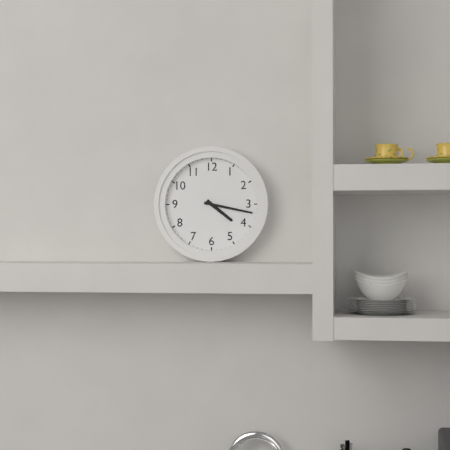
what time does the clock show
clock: 4:17
